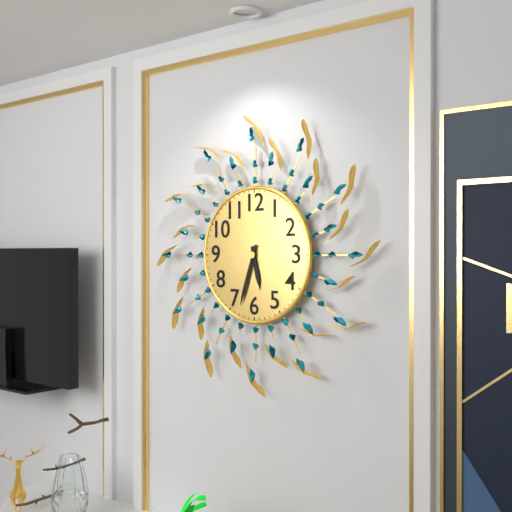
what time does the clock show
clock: 5:33
